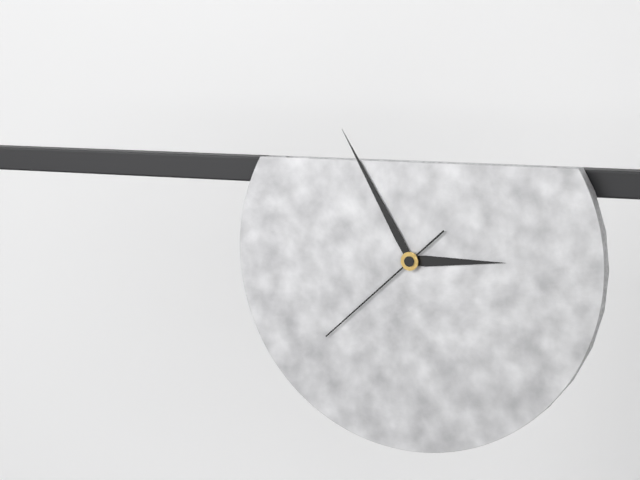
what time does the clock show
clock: 2:55:38
